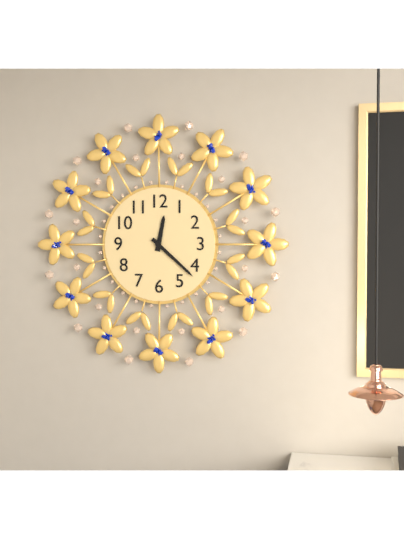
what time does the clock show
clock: 12:22
